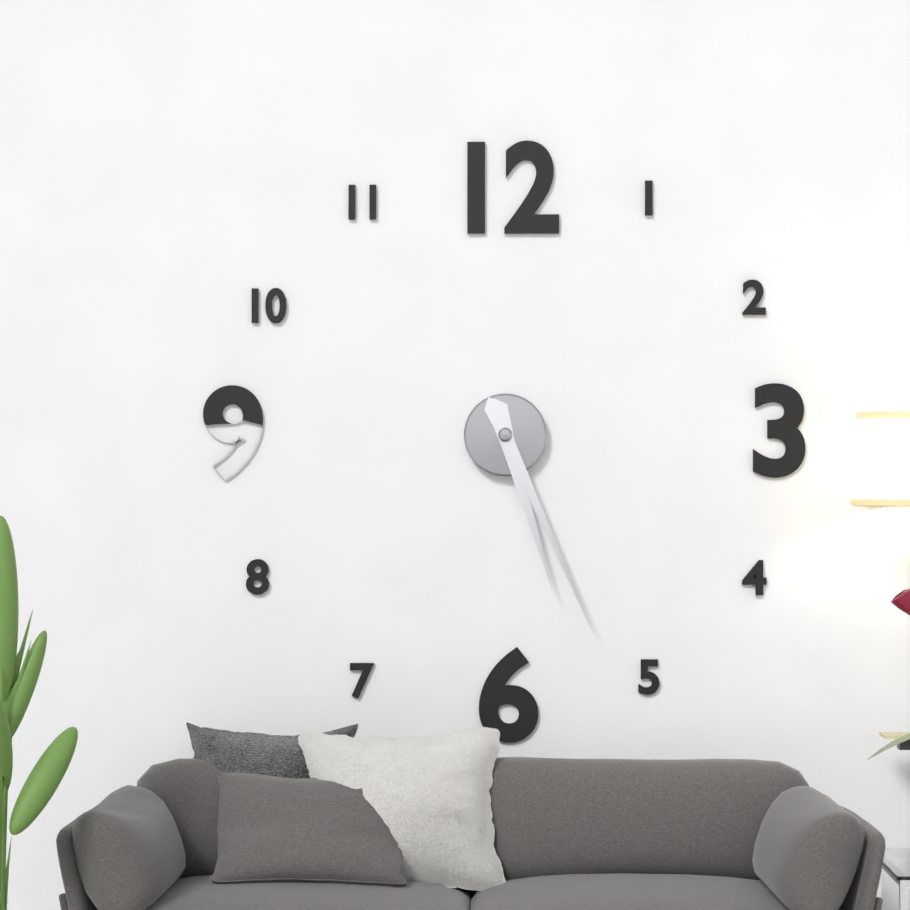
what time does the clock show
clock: 5:26
